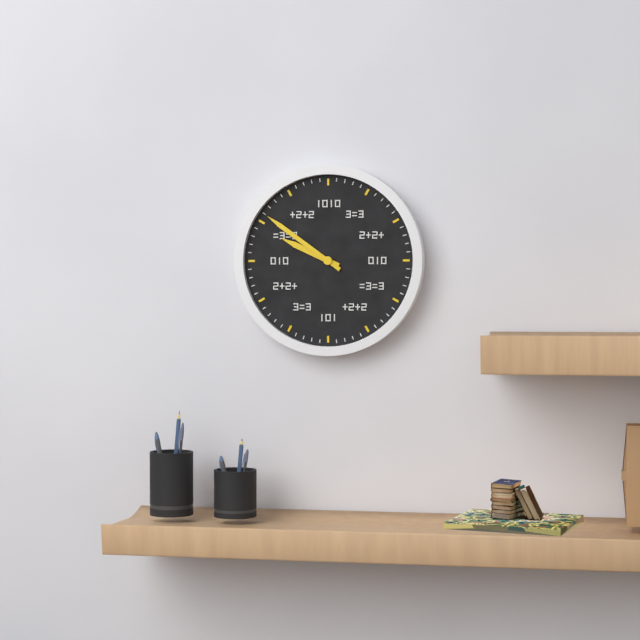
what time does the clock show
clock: 9:51
